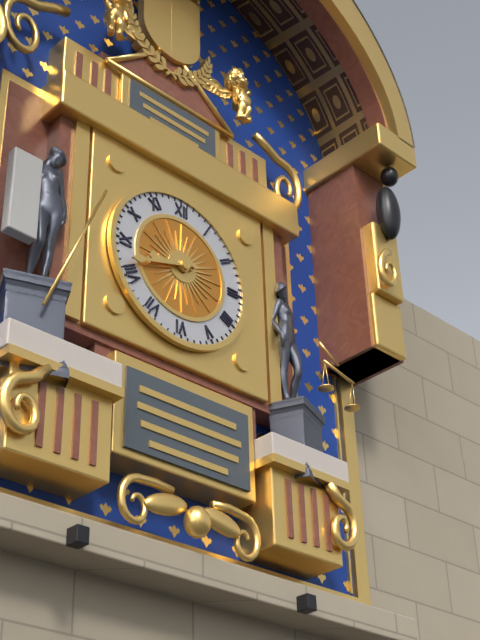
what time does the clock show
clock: 8:42
